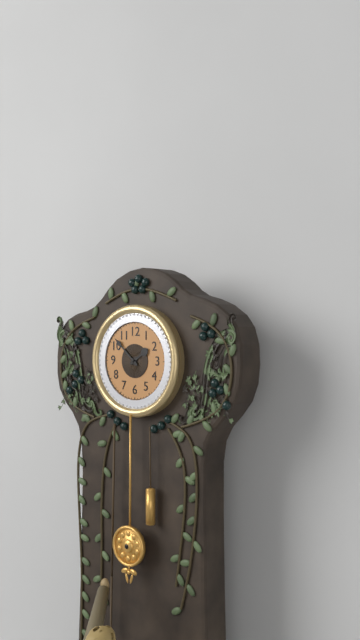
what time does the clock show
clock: 1:52
